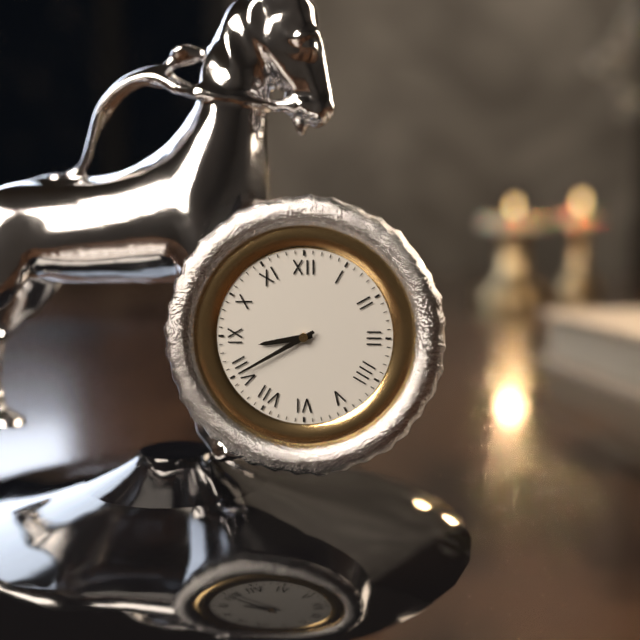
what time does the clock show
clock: 8:40
